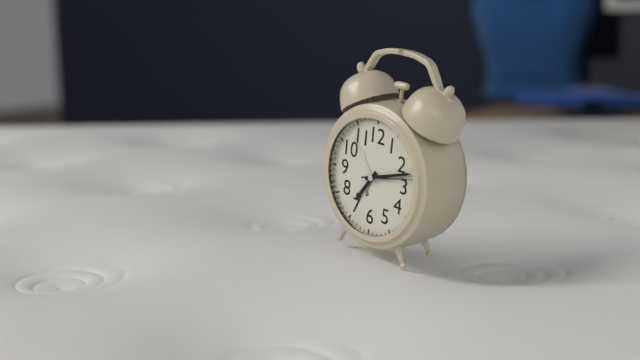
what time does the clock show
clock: 7:12:13
